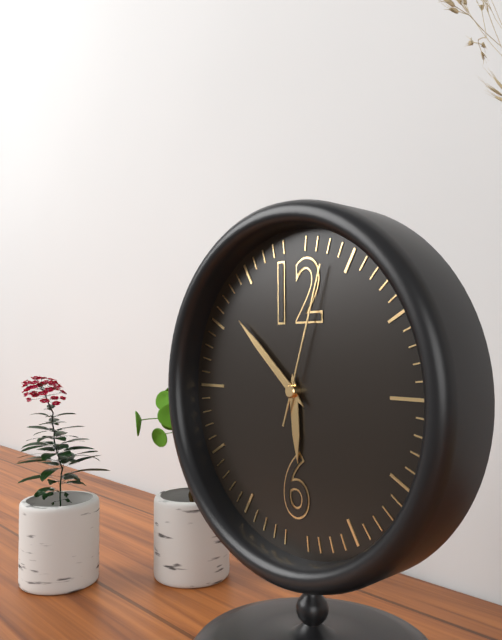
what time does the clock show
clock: 5:52:03
